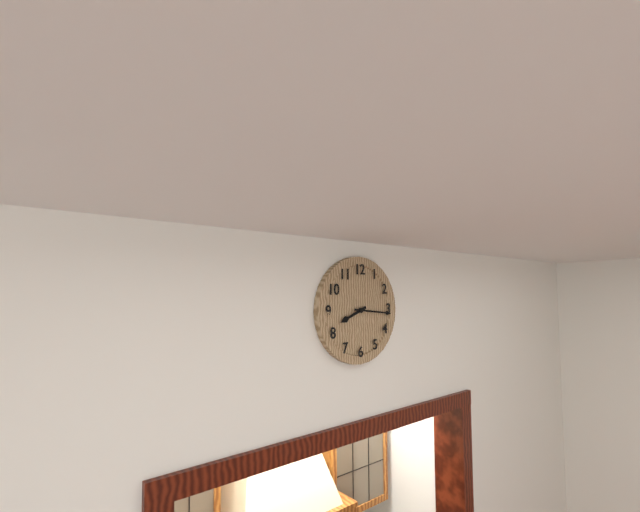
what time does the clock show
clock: 8:16
